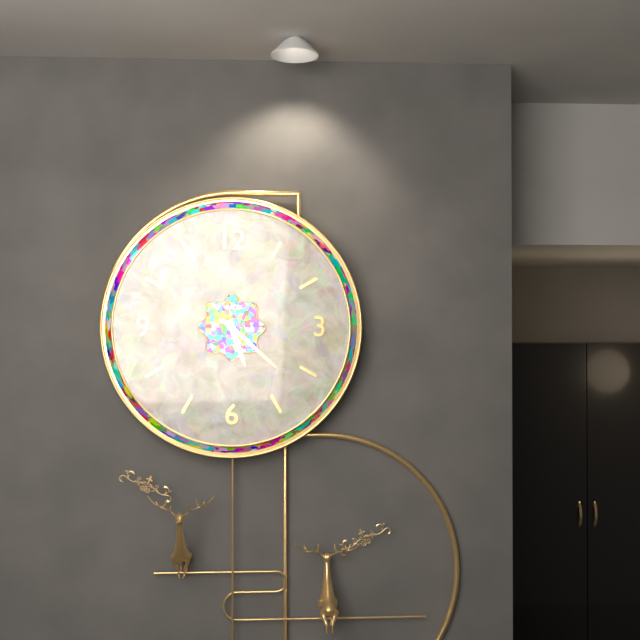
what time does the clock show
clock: 5:22
